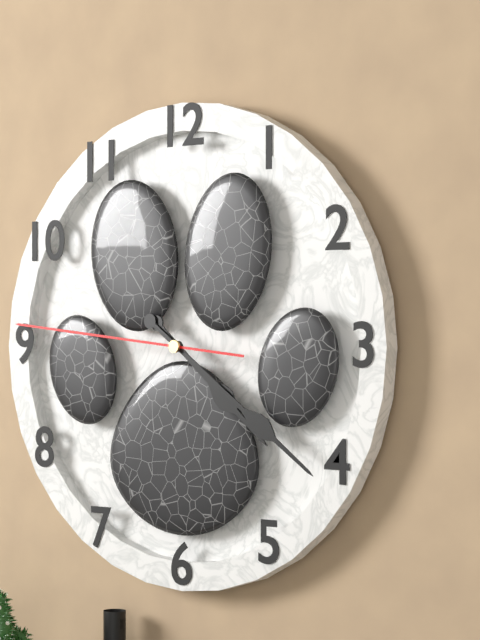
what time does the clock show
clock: 4:21:46
